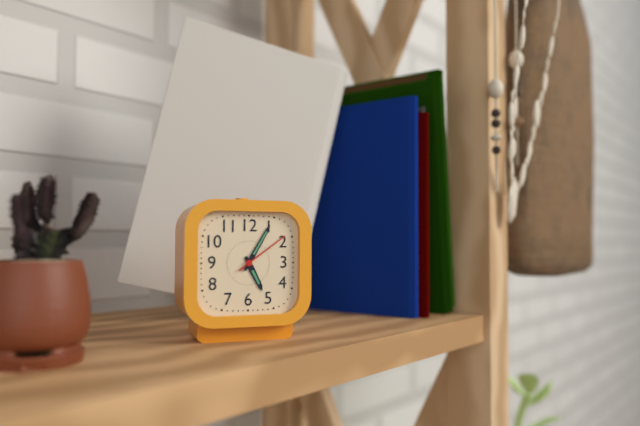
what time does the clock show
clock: 5:05:09
